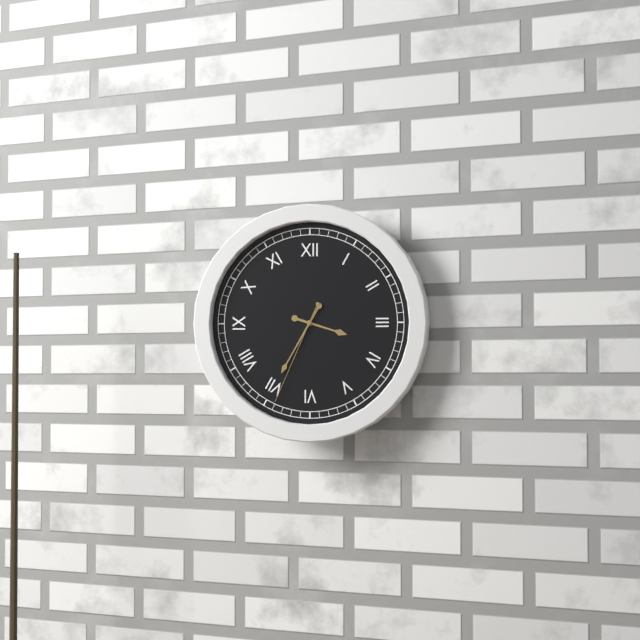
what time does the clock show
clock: 3:35:34
